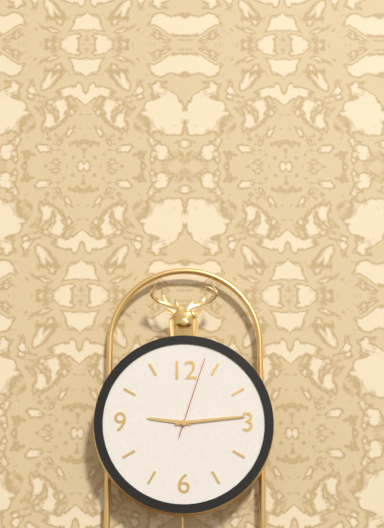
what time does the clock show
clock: 9:14:03
